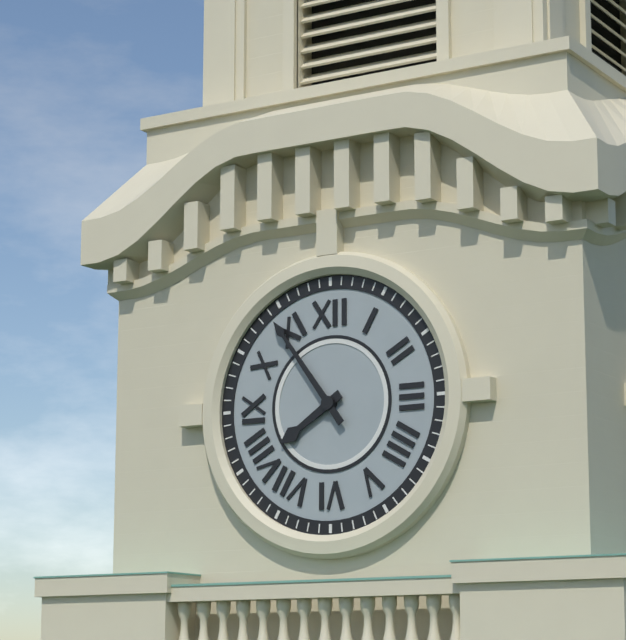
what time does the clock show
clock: 7:54
